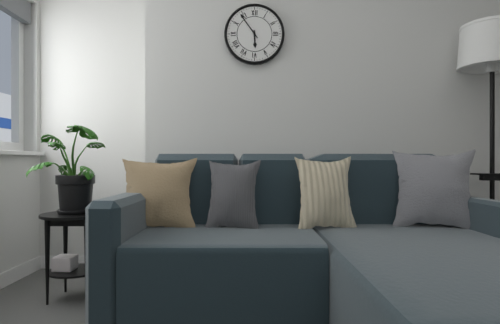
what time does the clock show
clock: 5:54
